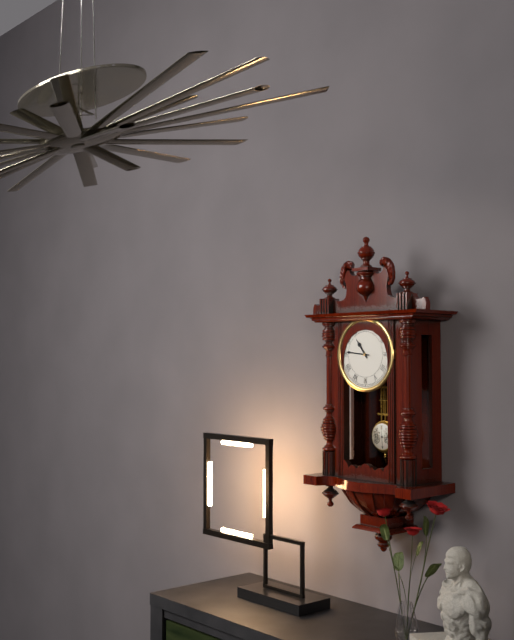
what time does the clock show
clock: 10:46
